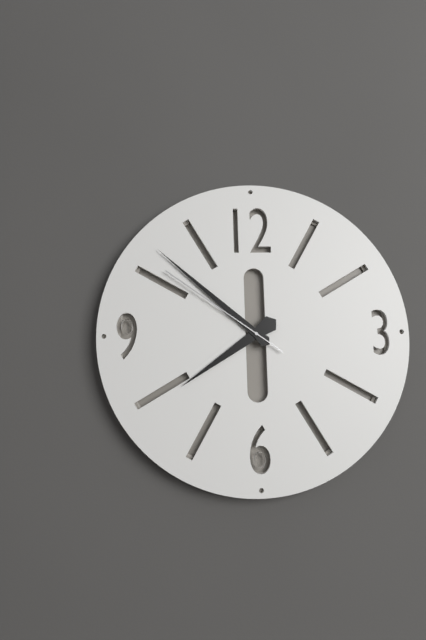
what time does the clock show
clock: 7:52:51
